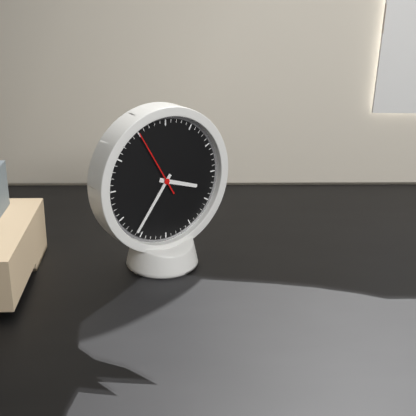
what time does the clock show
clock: 3:36:55
